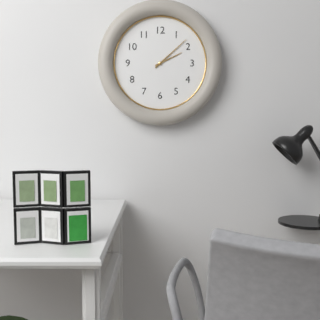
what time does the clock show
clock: 2:08
